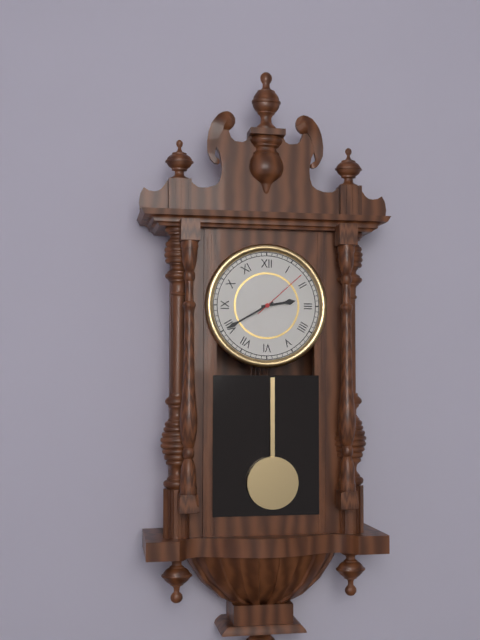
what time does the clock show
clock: 2:40:08
